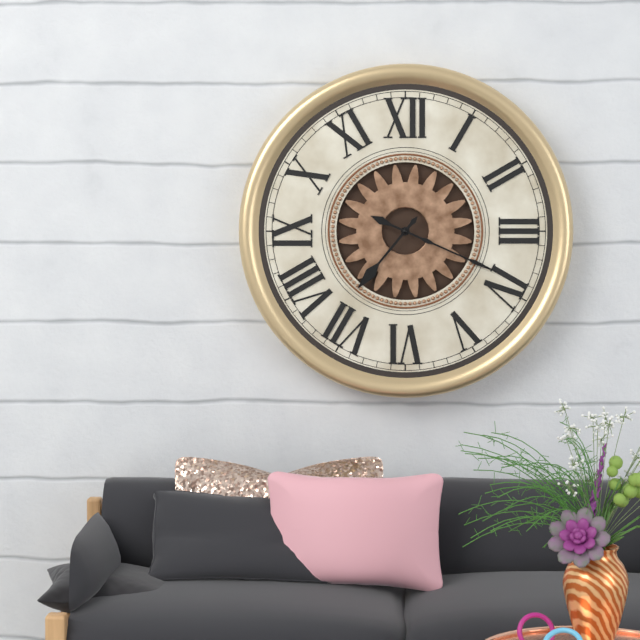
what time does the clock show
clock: 7:19
